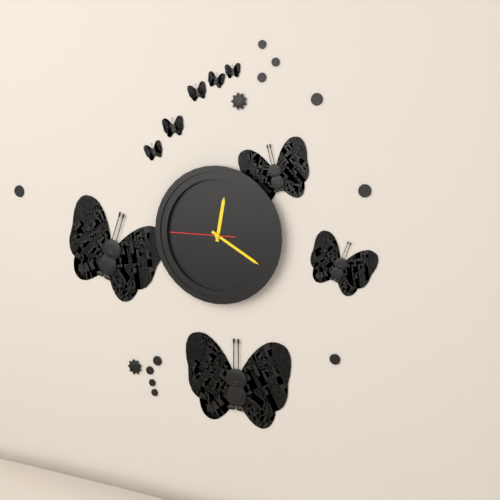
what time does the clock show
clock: 12:20:45
